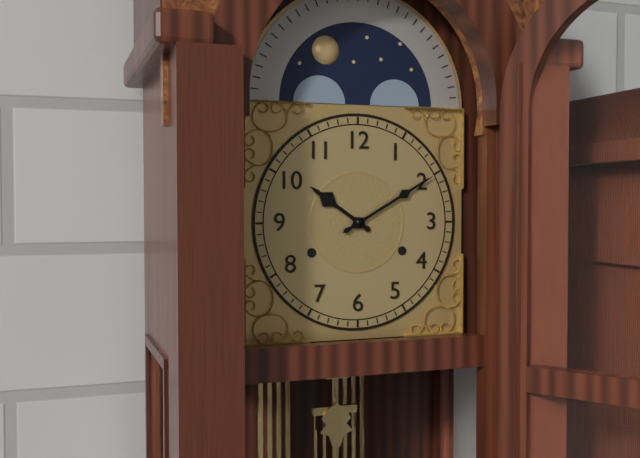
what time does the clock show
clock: 10:10
